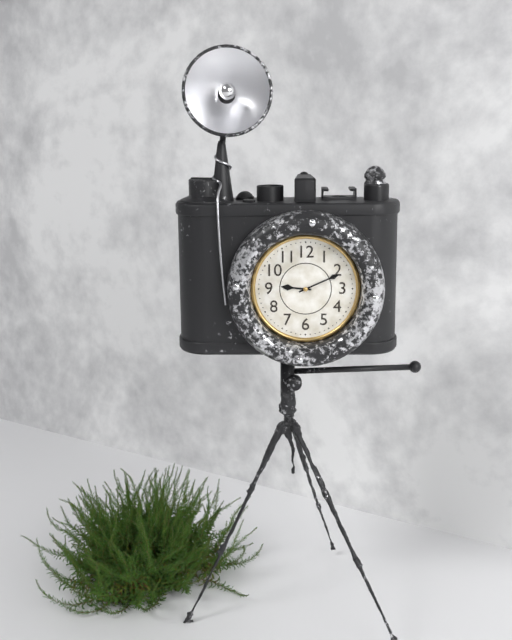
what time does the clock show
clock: 9:11
